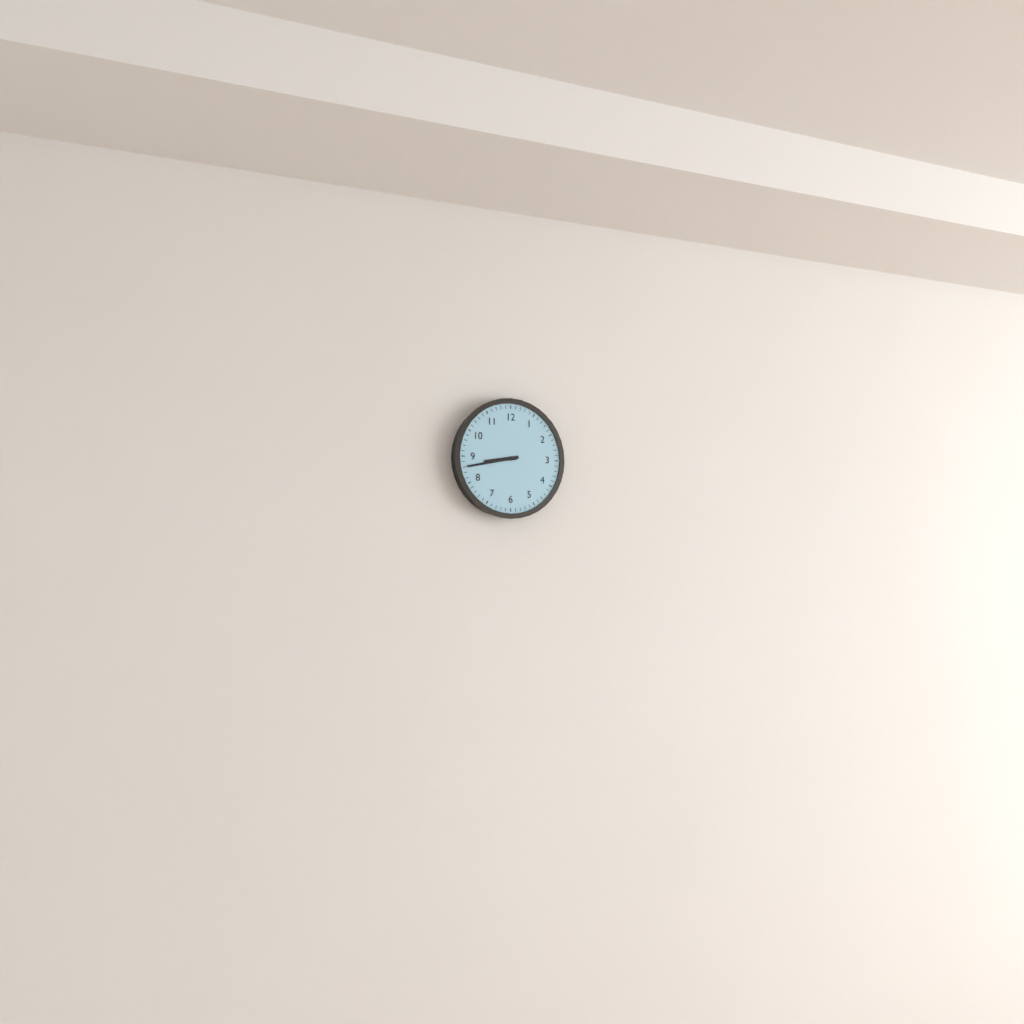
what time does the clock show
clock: 8:43
